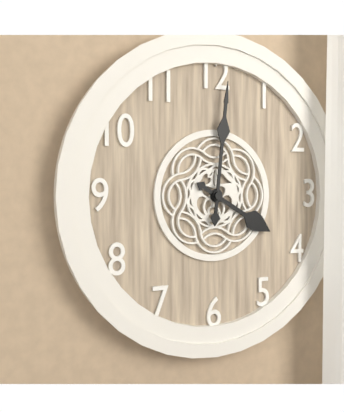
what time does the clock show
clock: 4:01
